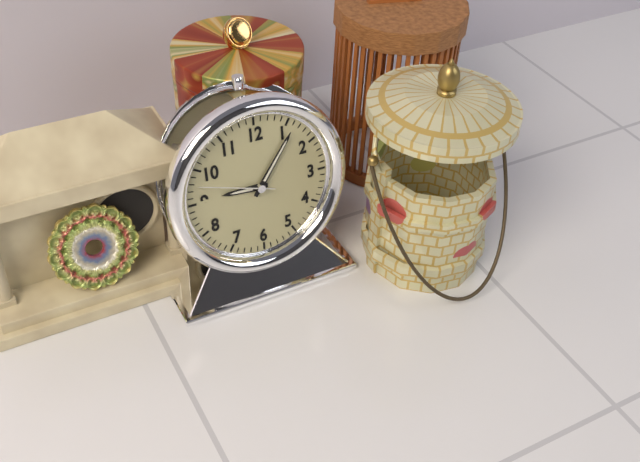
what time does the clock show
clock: 9:06:48
